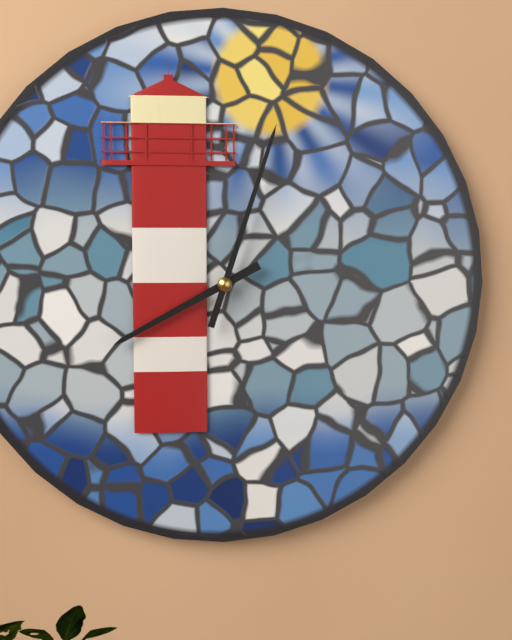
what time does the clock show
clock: 8:03
